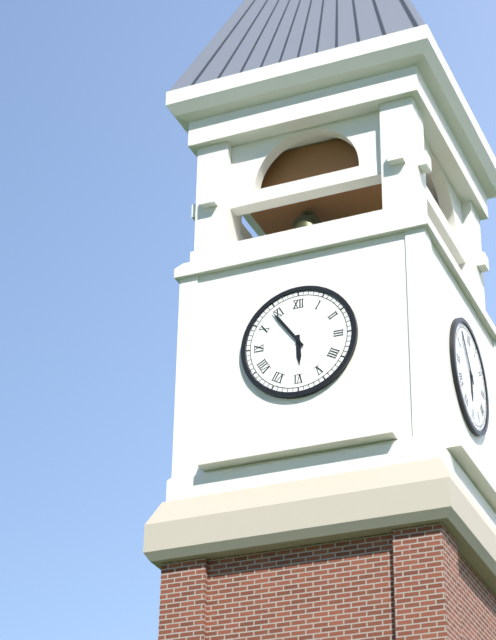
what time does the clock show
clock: 5:54
